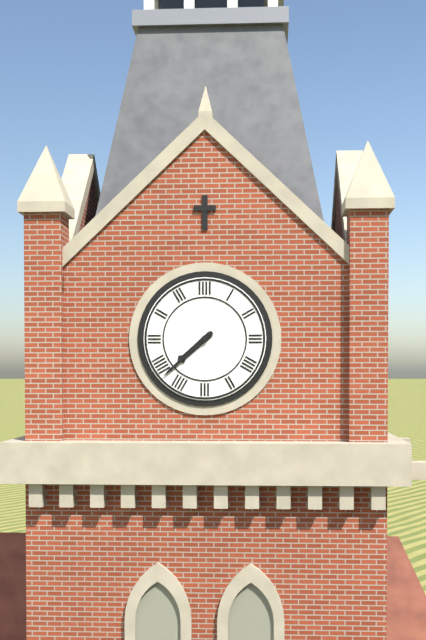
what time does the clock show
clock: 7:38
